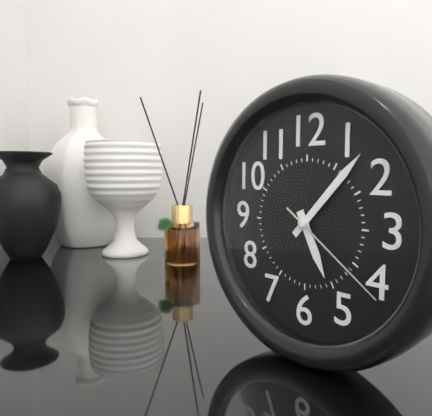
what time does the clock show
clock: 5:07:21
